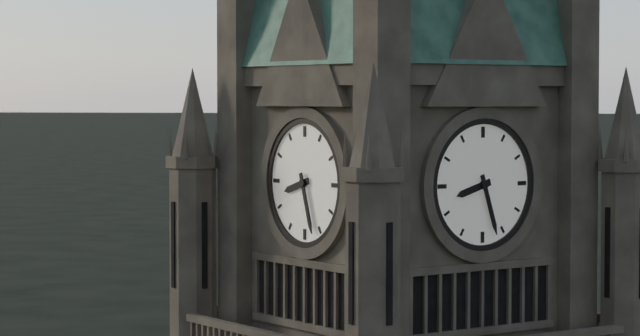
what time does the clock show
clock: 8:27
